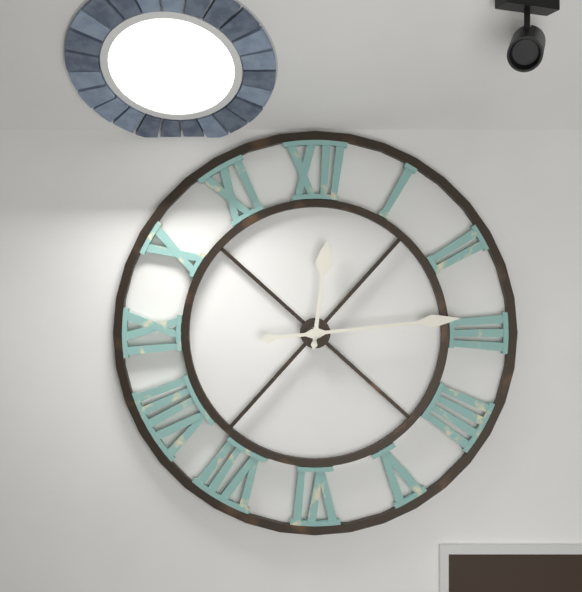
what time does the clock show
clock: 12:14
